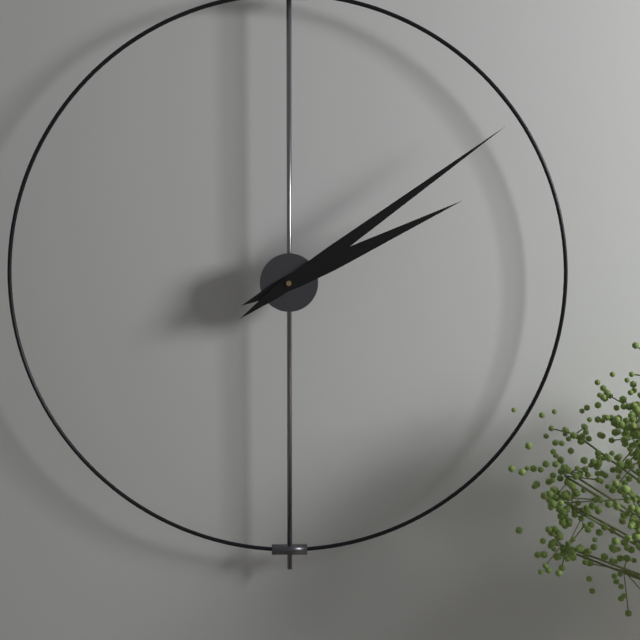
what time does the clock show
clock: 2:09
